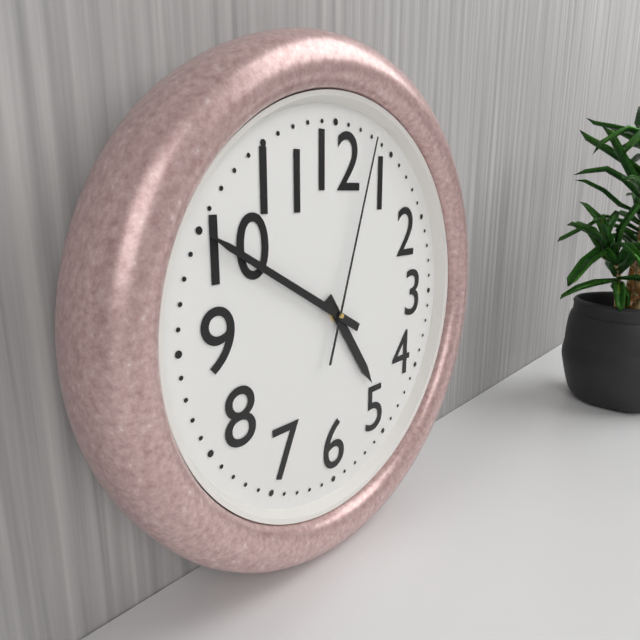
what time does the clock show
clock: 4:50:03
